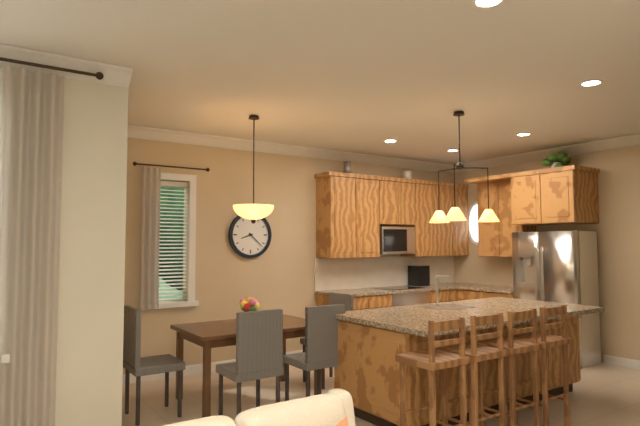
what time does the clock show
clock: 8:22
